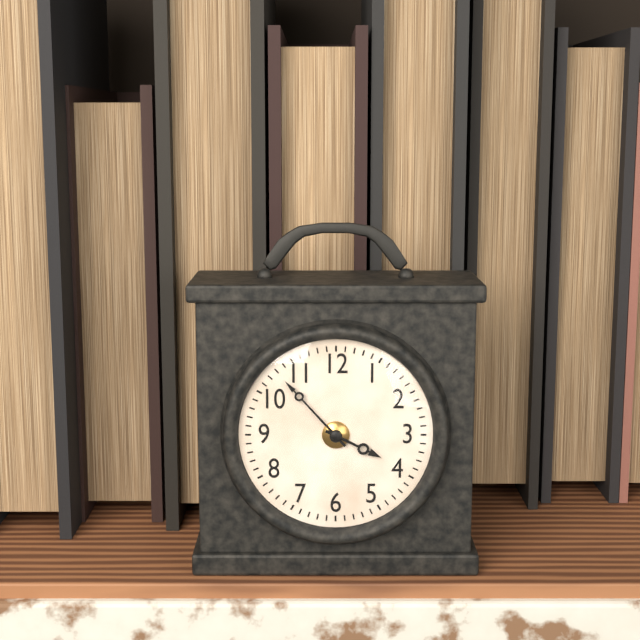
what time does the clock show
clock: 3:53
